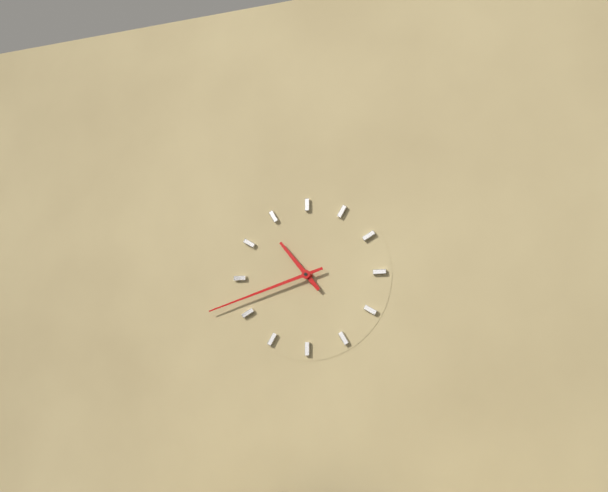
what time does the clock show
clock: 10:42
